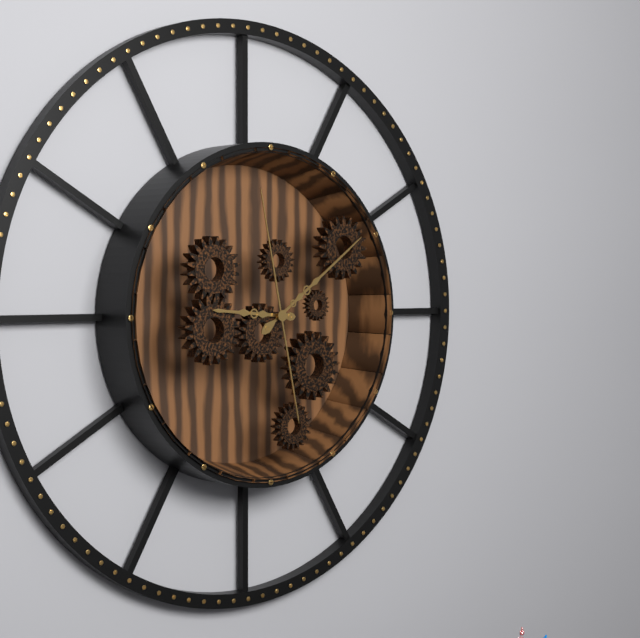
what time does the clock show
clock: 9:09:58
